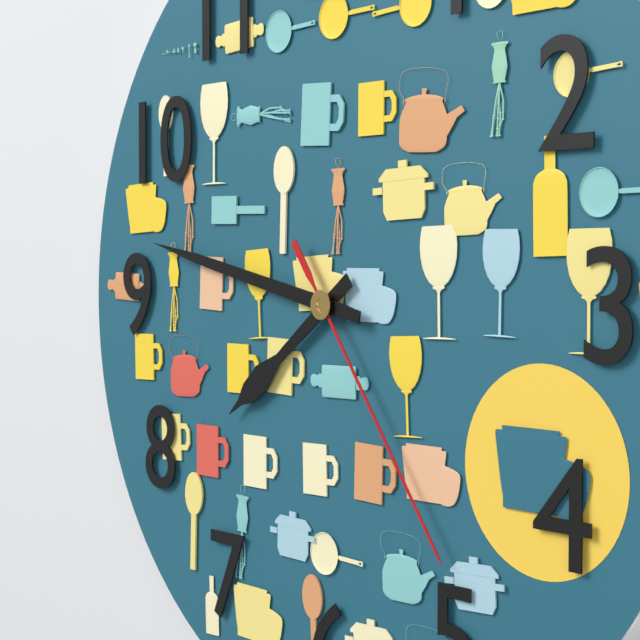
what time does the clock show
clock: 7:47:24
